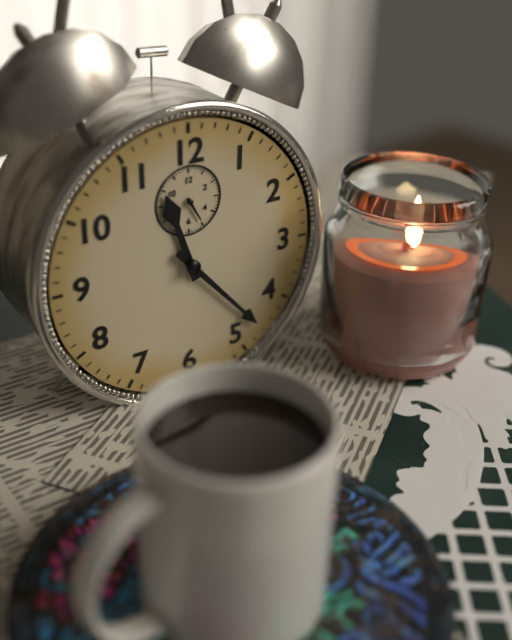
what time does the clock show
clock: 11:23
